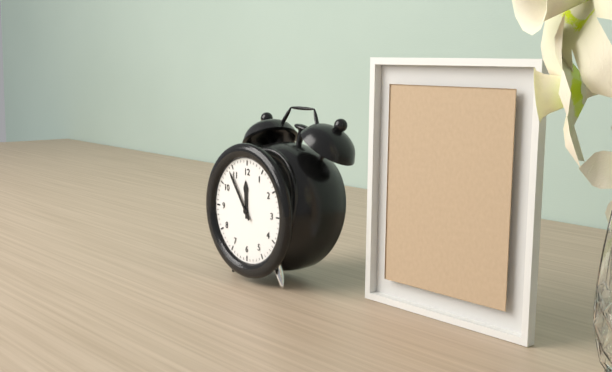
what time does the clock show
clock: 11:54
